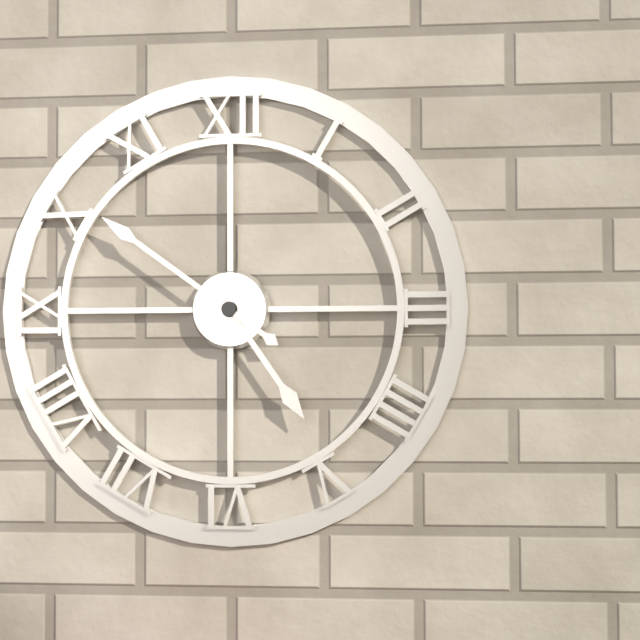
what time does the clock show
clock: 4:51
